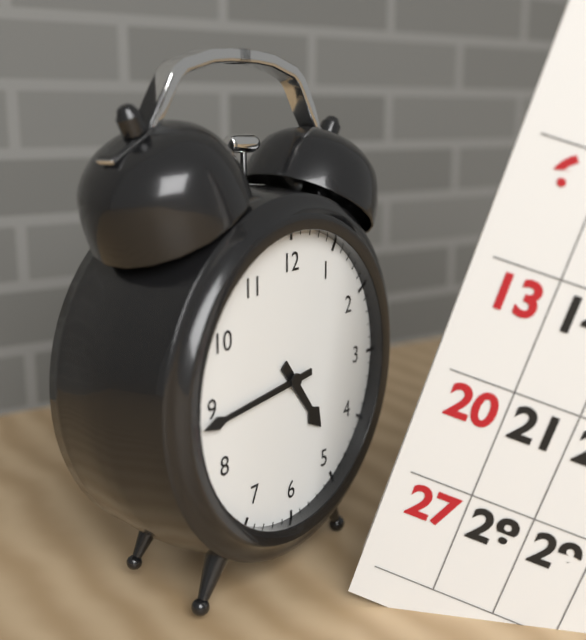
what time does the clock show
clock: 4:44
